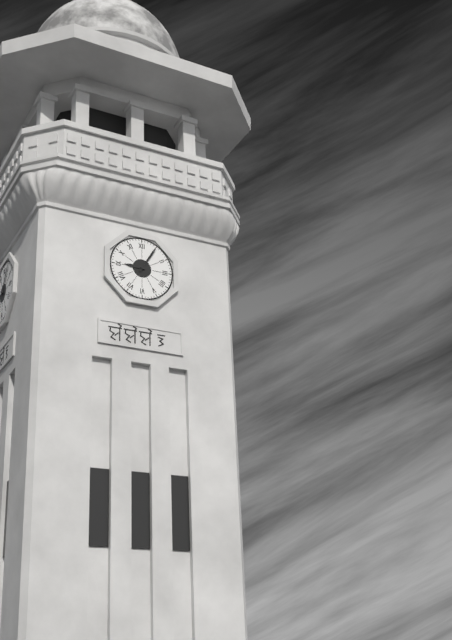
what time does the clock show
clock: 9:05
